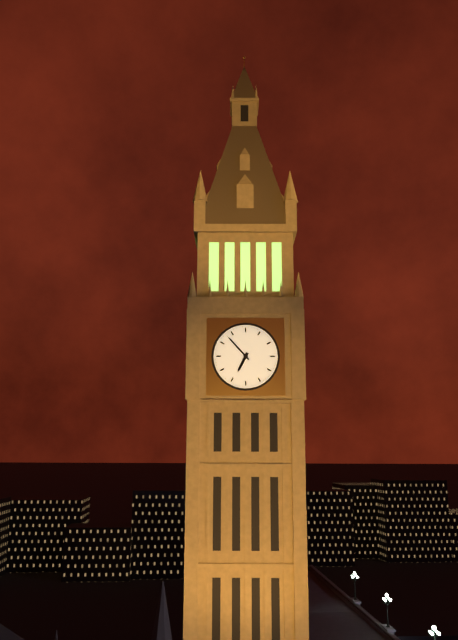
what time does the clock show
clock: 6:53
